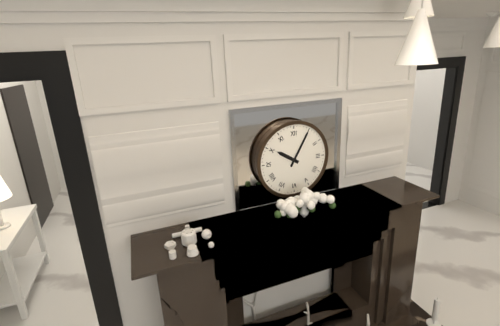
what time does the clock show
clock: 10:05
